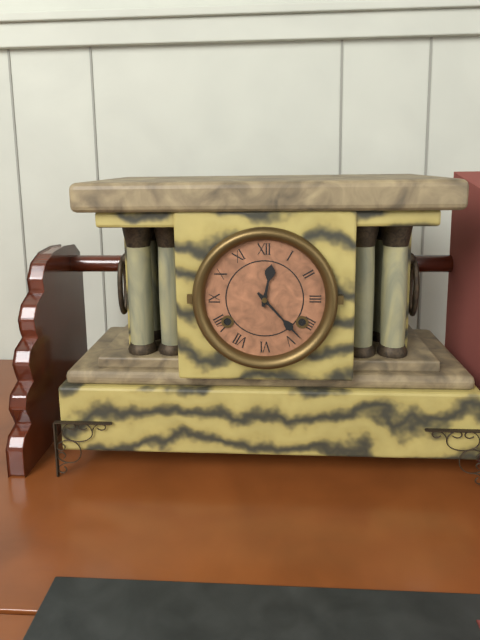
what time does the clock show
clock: 12:23
